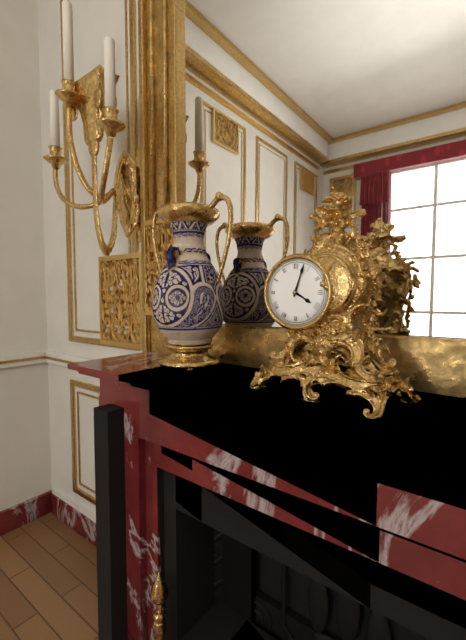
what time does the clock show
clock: 4:03
